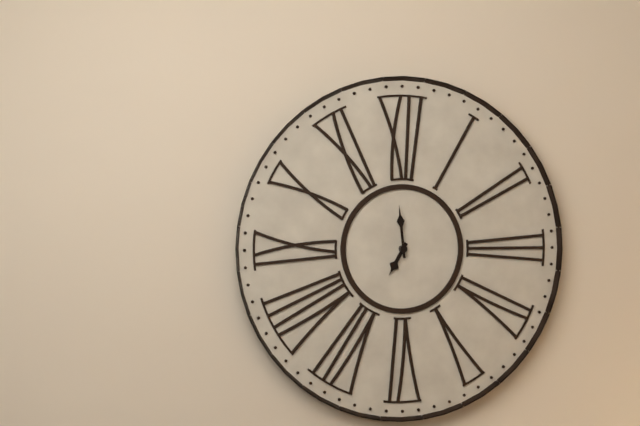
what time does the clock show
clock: 6:59
